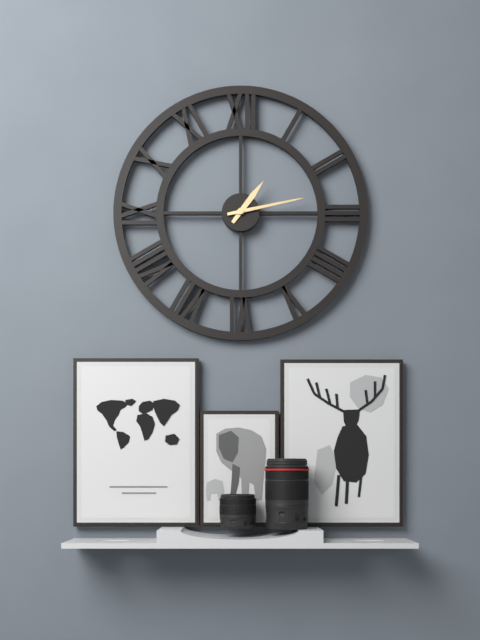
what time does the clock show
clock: 1:13
